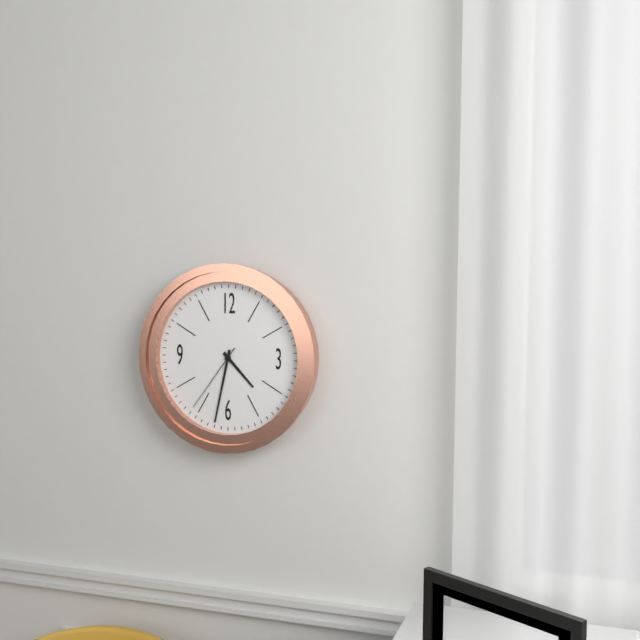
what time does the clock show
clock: 4:32:36
